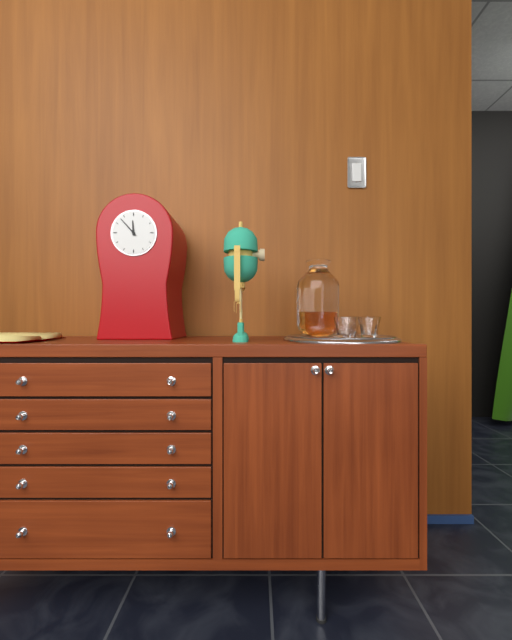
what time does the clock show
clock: 11:53
